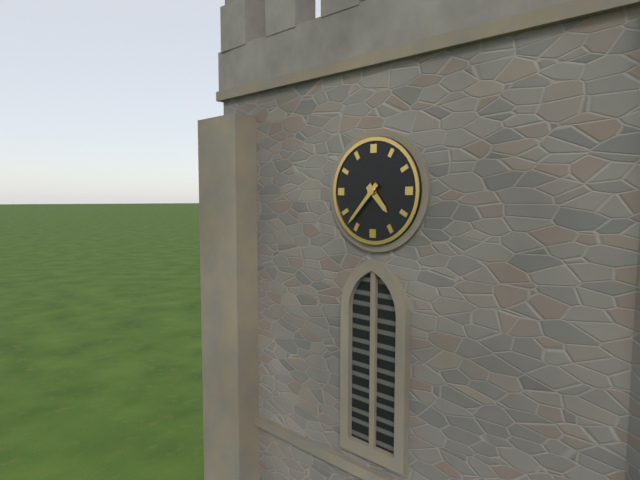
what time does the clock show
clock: 4:37
